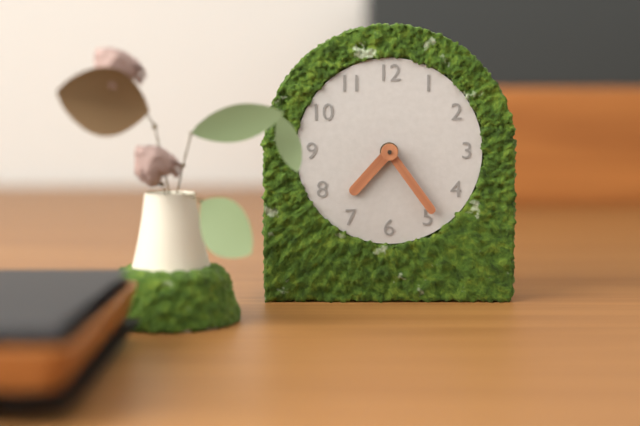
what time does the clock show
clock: 7:24
